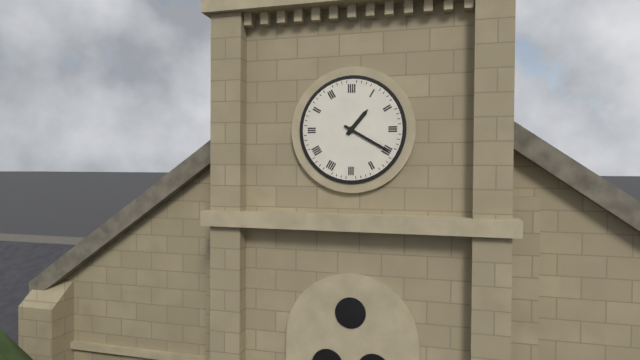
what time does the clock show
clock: 1:20
